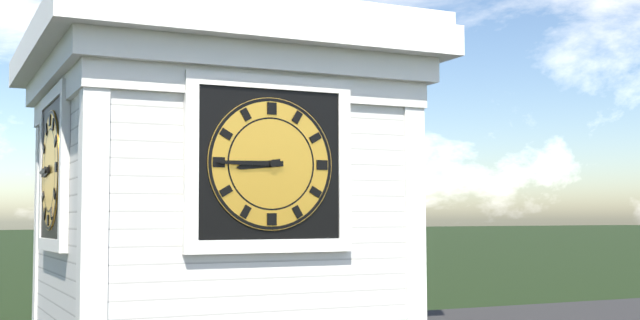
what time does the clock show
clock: 8:45
